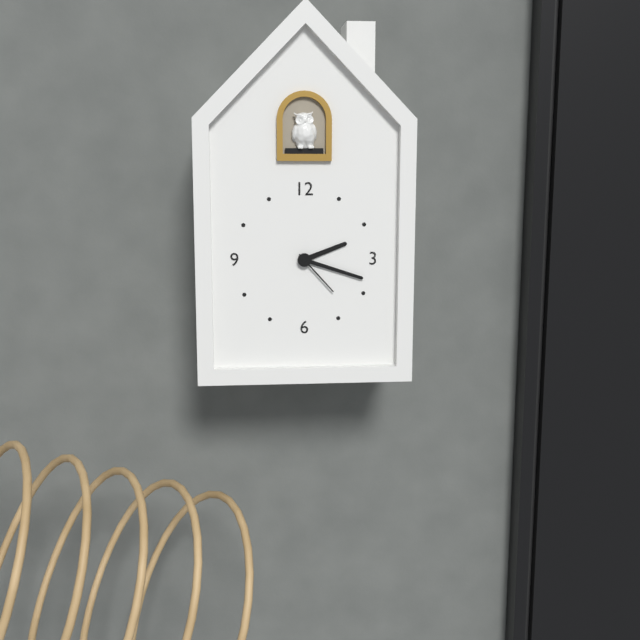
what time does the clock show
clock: 2:18:23
